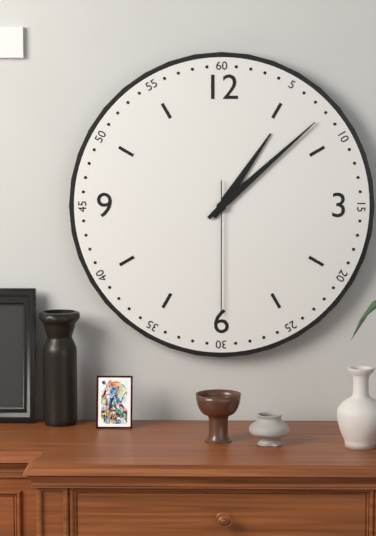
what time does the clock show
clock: 1:08:30
